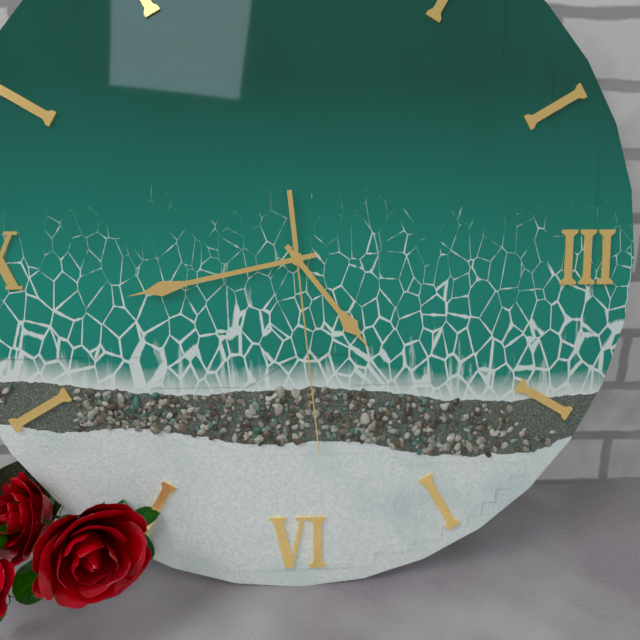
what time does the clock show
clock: 4:43:29
